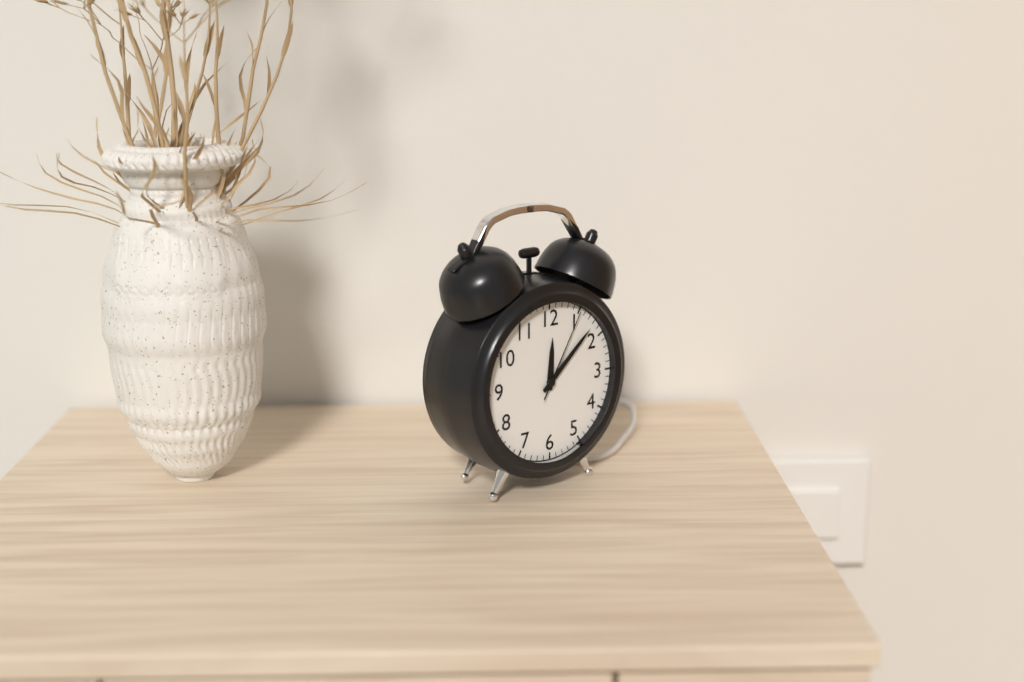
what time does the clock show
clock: 12:08:05
